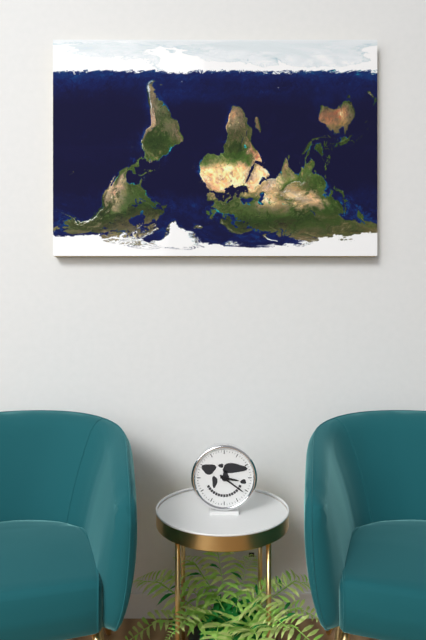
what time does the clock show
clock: 3:21
